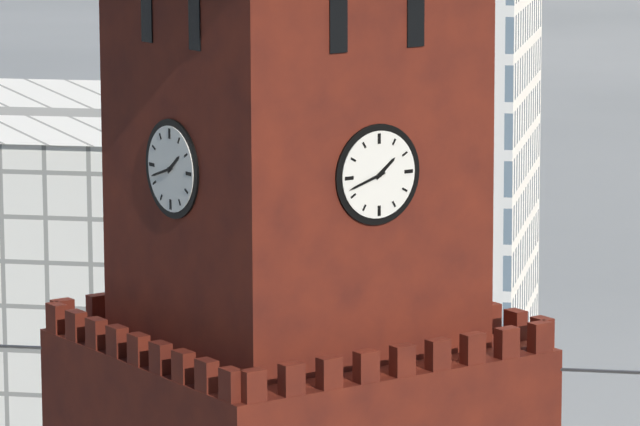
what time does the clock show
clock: 1:42
